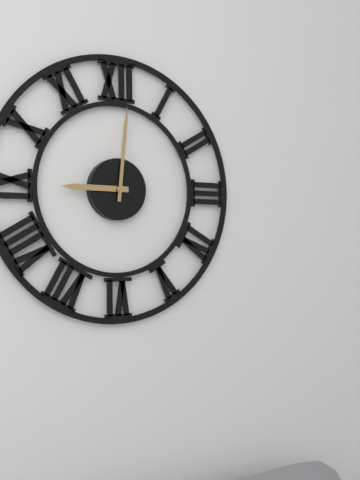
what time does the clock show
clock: 9:01
